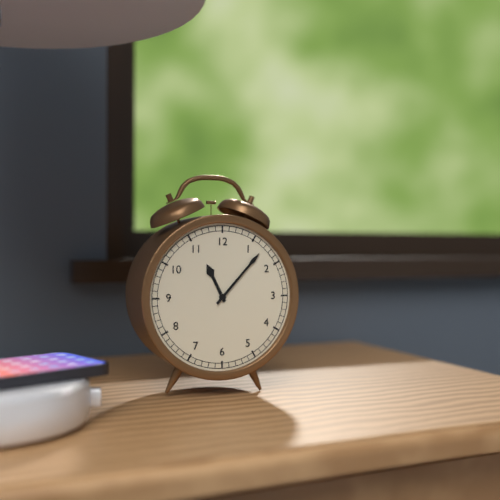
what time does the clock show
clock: 11:07
